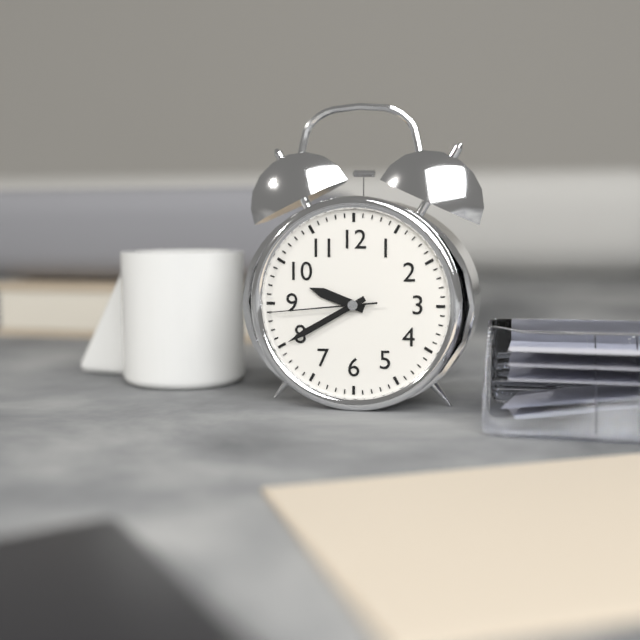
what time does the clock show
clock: 9:40:44
